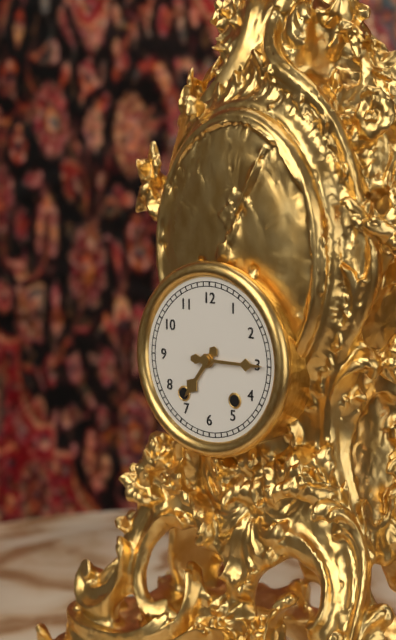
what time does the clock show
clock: 7:15
